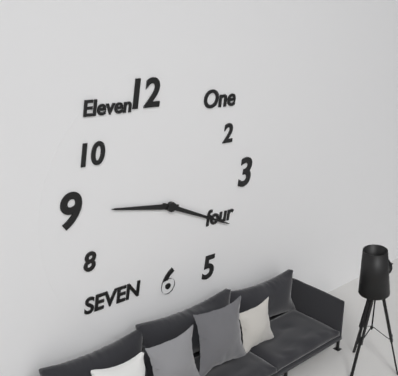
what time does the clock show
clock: 9:19
